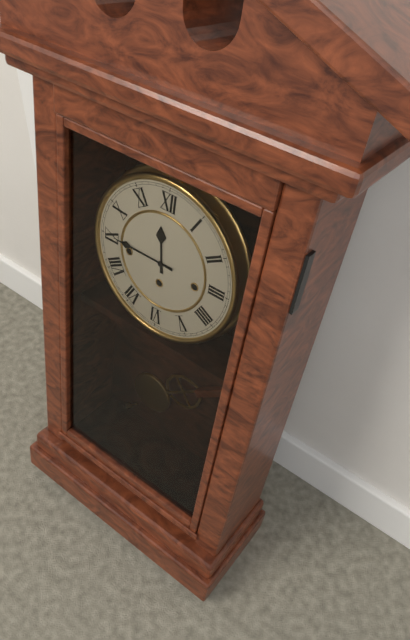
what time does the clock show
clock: 11:45
